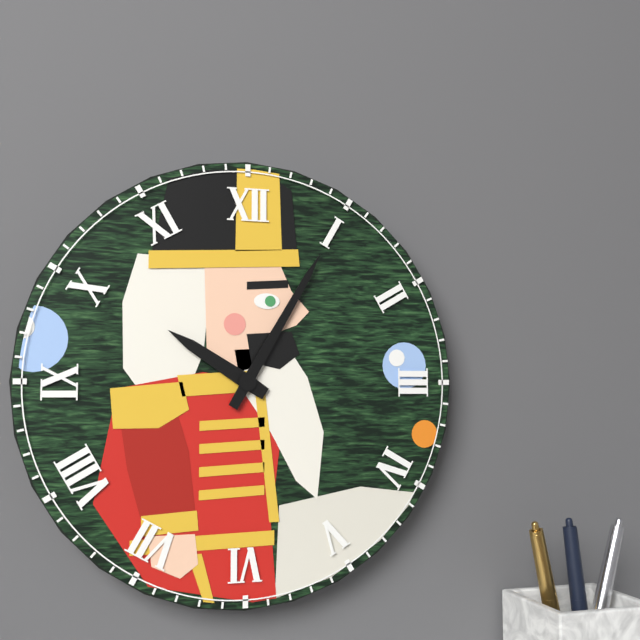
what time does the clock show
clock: 10:05
